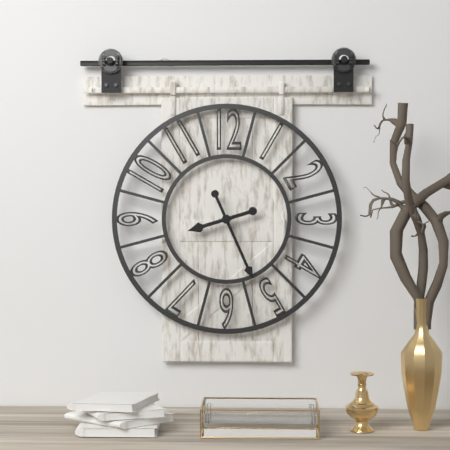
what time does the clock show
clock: 8:26
